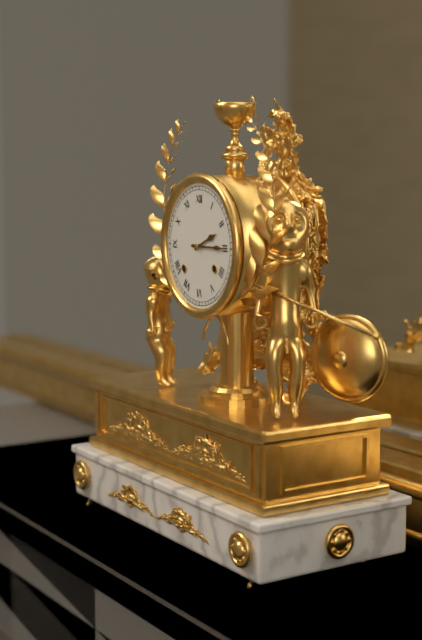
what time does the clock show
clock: 2:15
